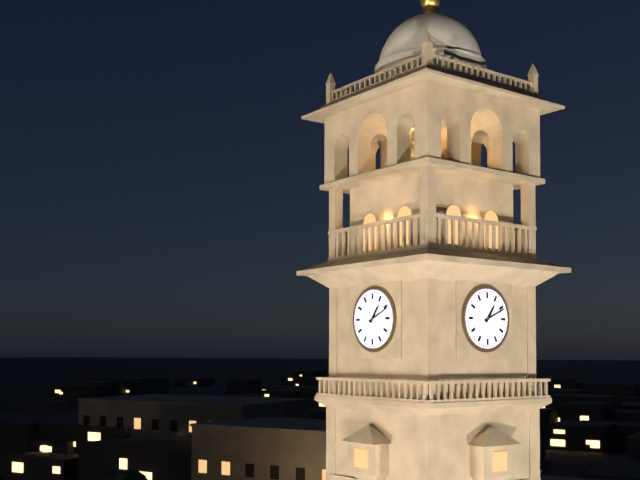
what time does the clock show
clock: 1:11
